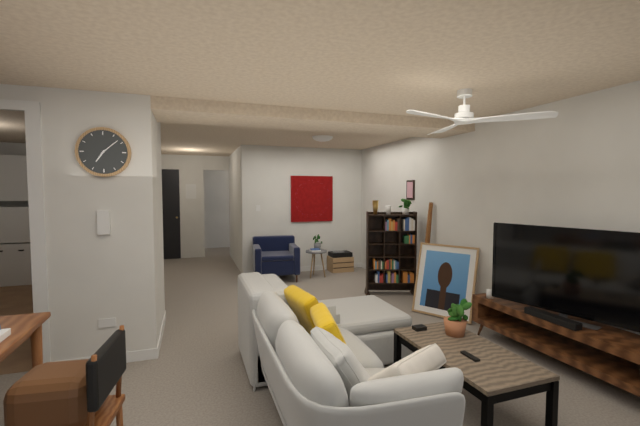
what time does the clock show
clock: 7:08
